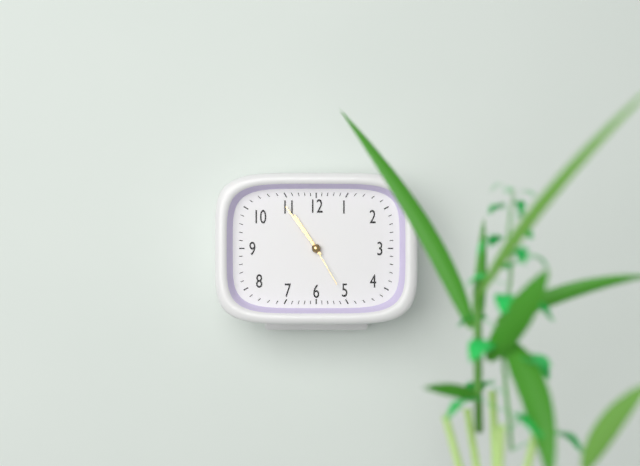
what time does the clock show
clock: 10:54:25
